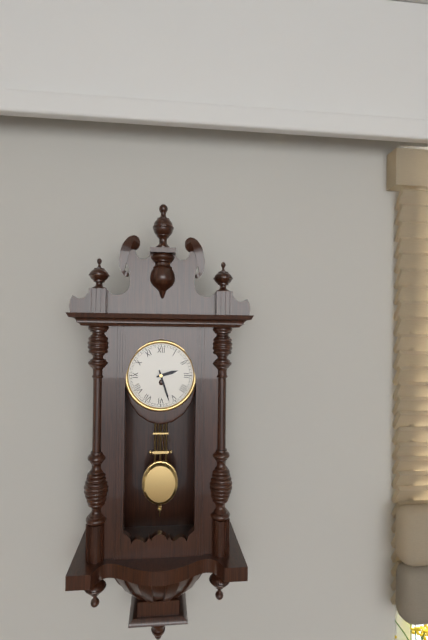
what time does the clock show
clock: 2:27
